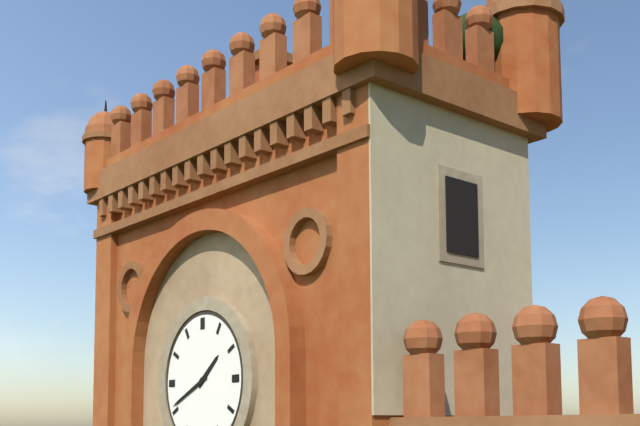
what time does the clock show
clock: 1:41
